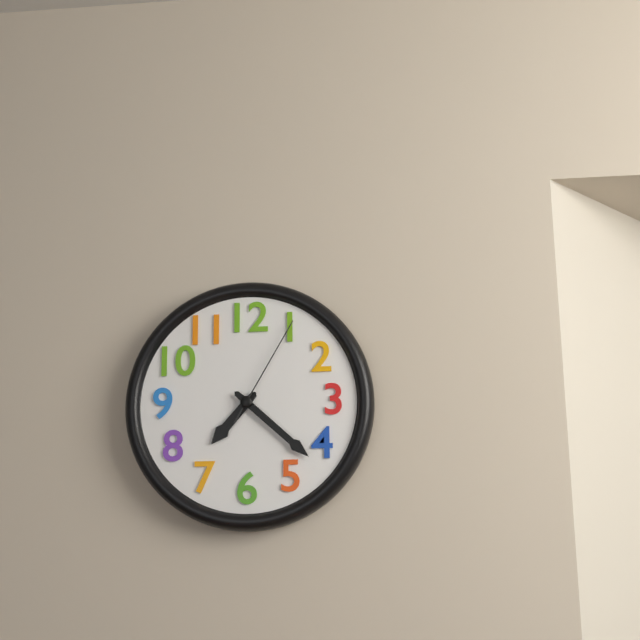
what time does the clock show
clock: 7:22:05
